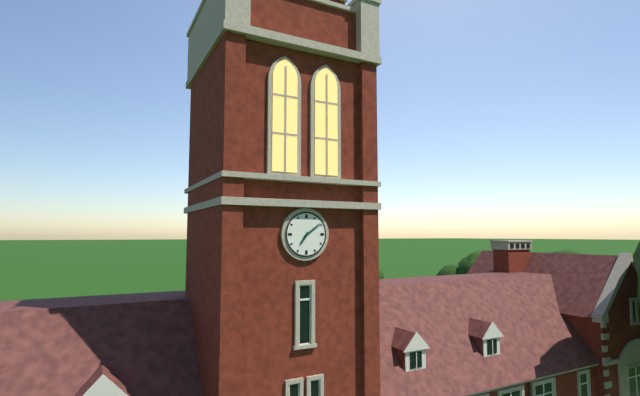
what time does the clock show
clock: 7:09
